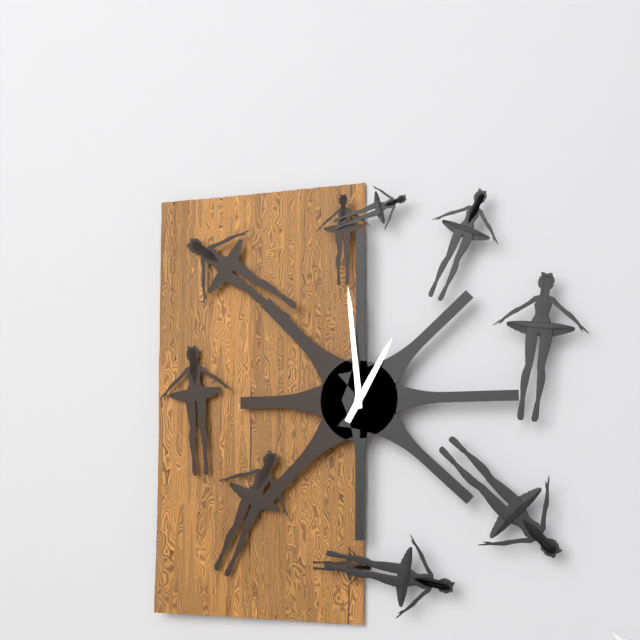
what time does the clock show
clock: 12:59
